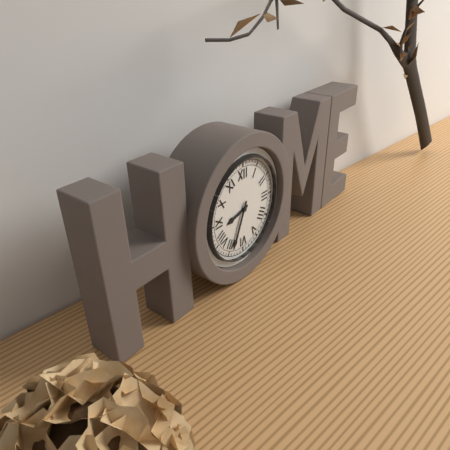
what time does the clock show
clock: 8:34
